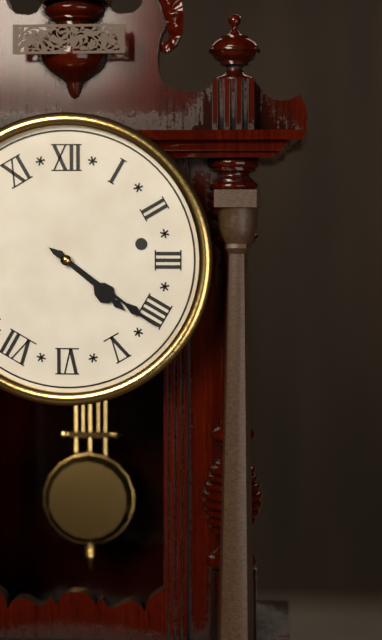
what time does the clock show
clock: 4:21
